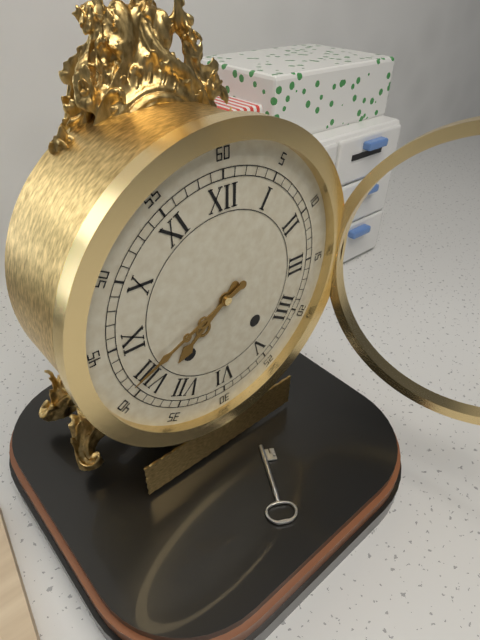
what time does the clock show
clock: 7:41
